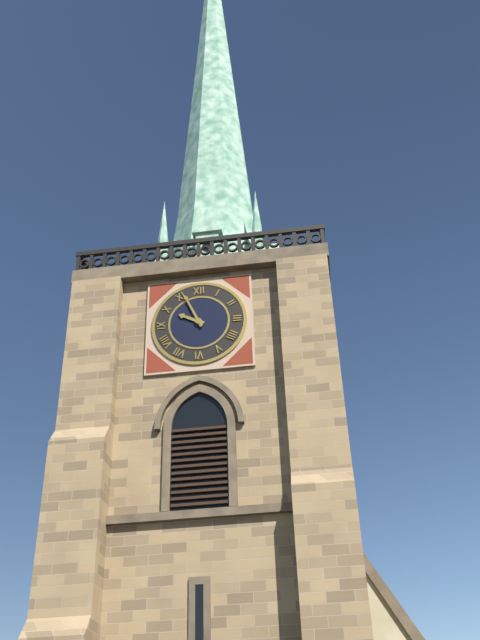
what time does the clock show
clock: 9:56
